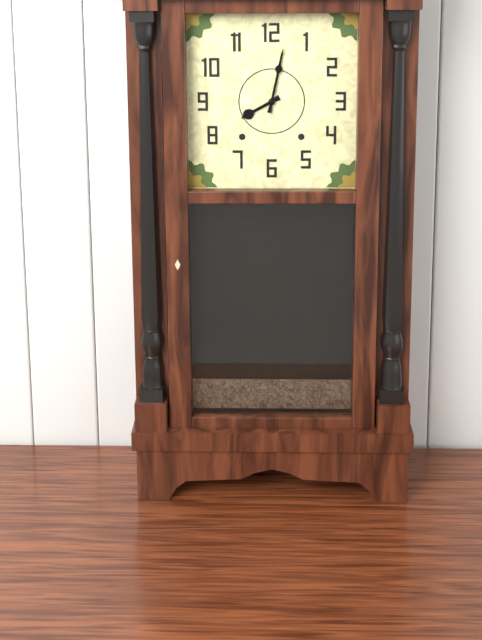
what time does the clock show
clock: 8:02
